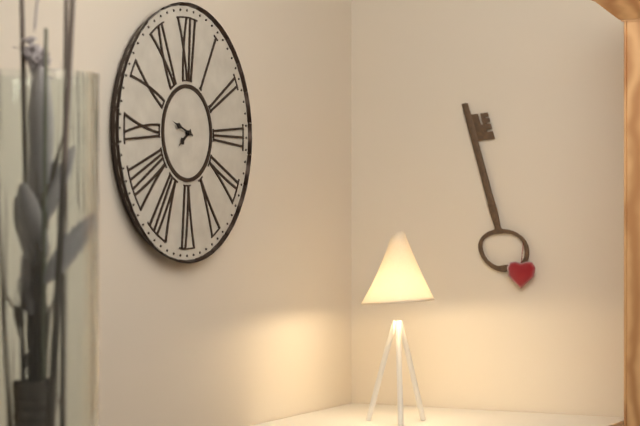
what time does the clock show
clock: 7:48
